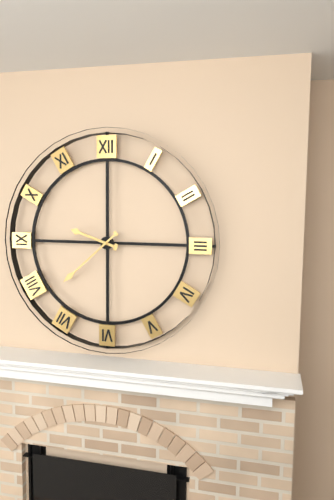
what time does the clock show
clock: 9:38
